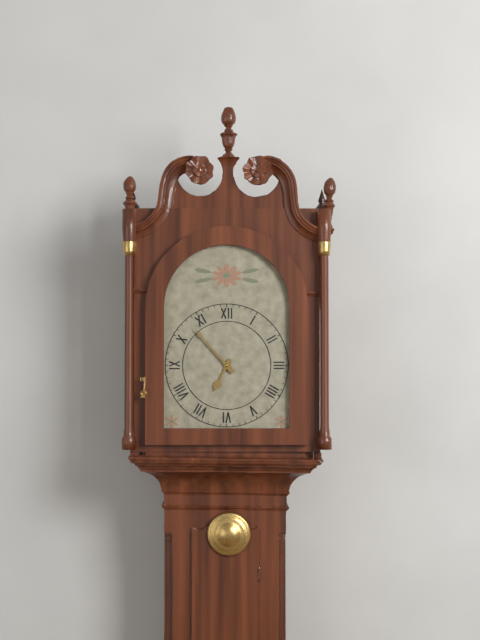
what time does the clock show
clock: 6:53
